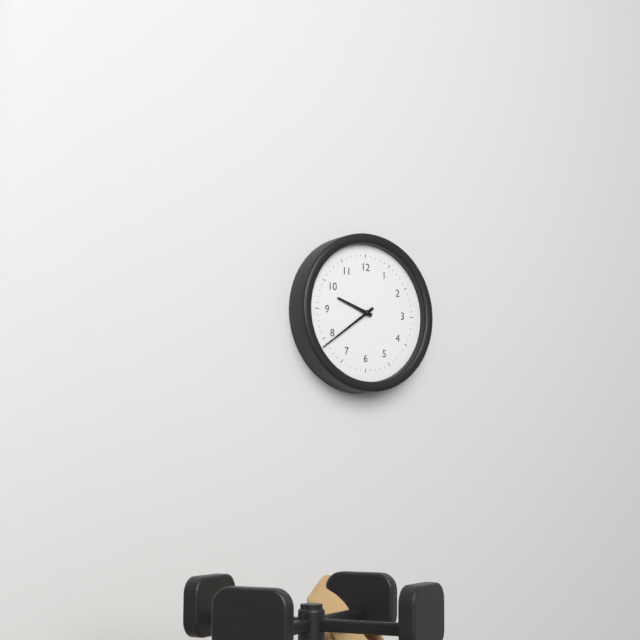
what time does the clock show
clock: 9:39
